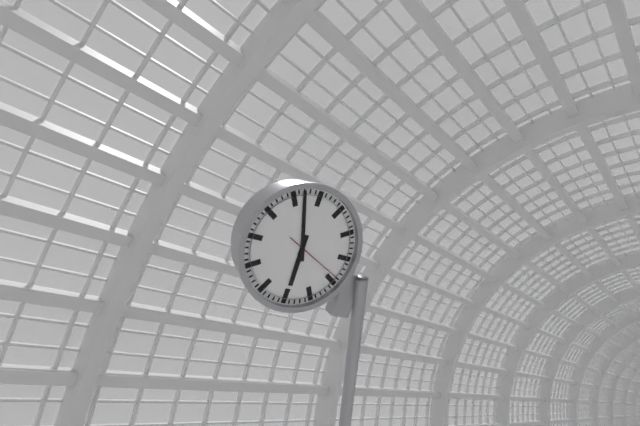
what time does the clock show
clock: 5:57:19
